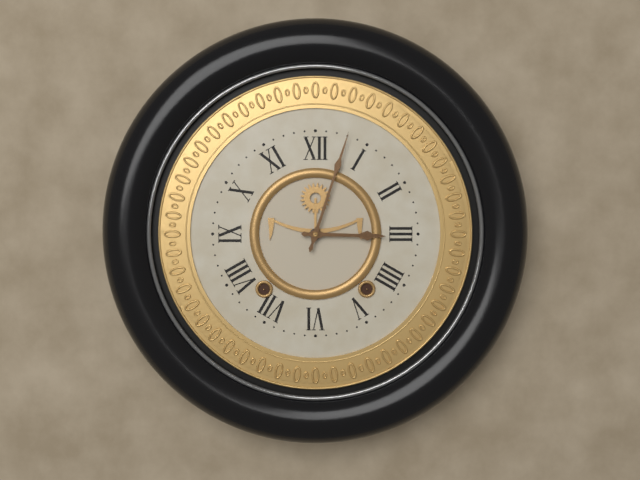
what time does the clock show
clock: 3:03
